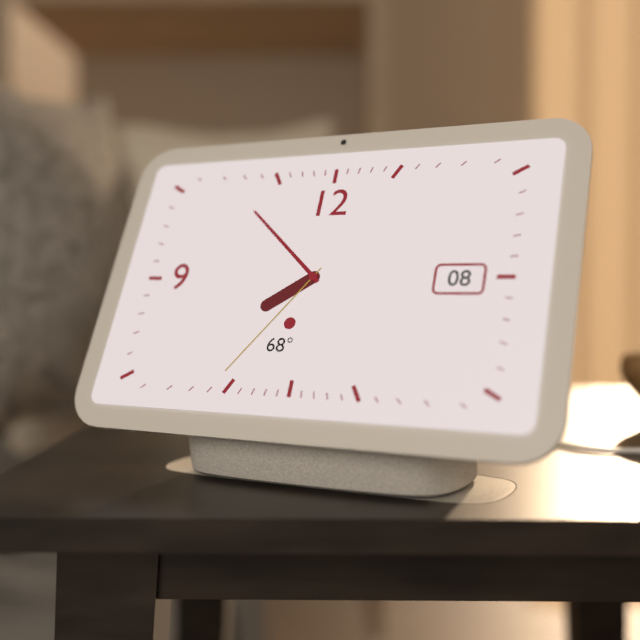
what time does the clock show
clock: 7:52:36
